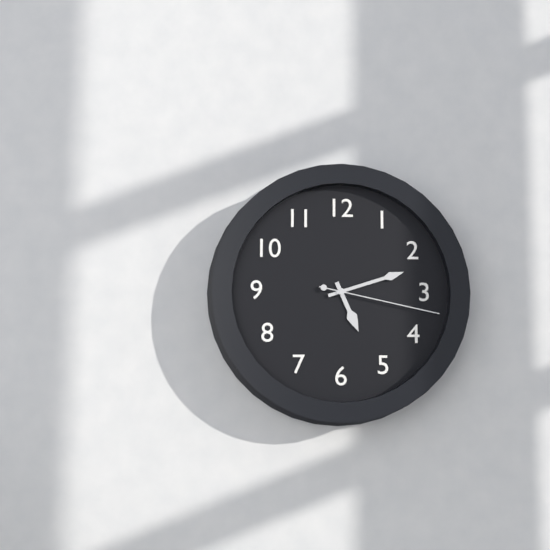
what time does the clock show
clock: 5:12:17
